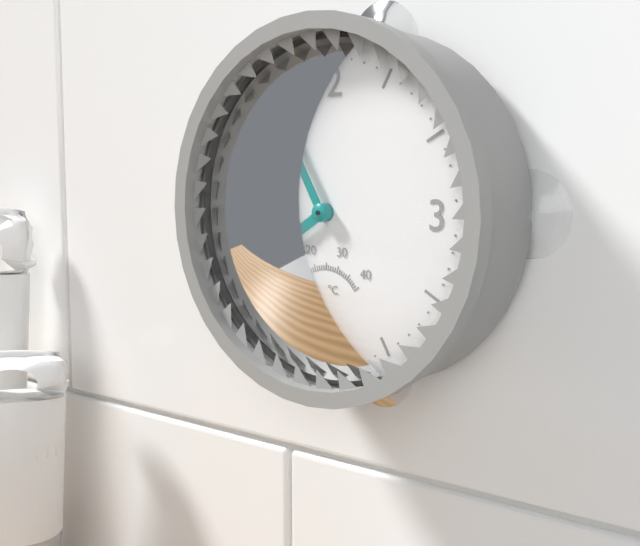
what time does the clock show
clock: 7:55
